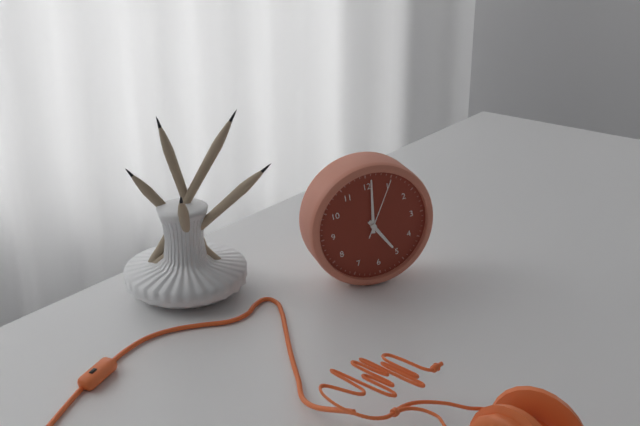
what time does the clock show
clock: 5:01:05
